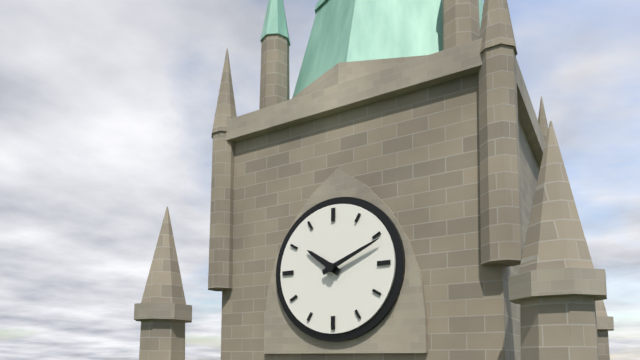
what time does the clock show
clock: 10:11
